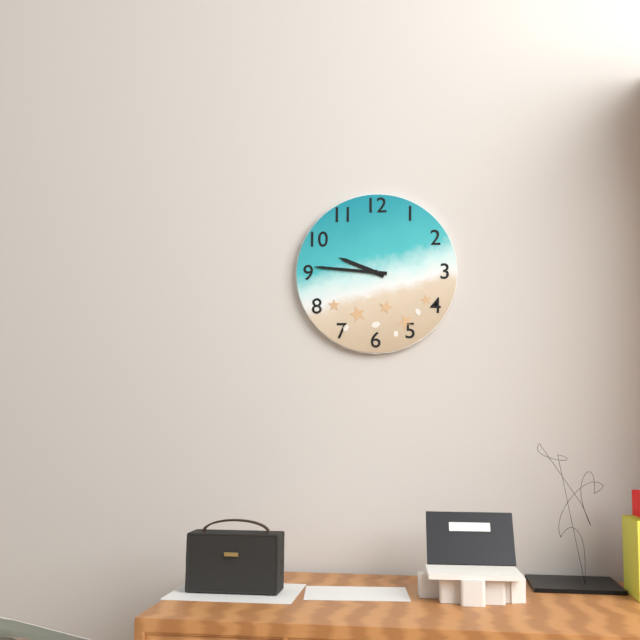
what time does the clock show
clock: 9:46
